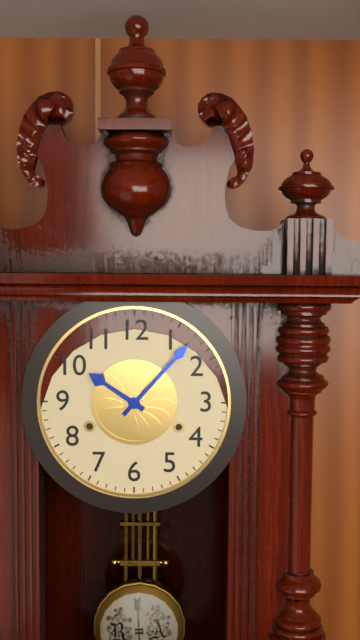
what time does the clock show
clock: 10:07
